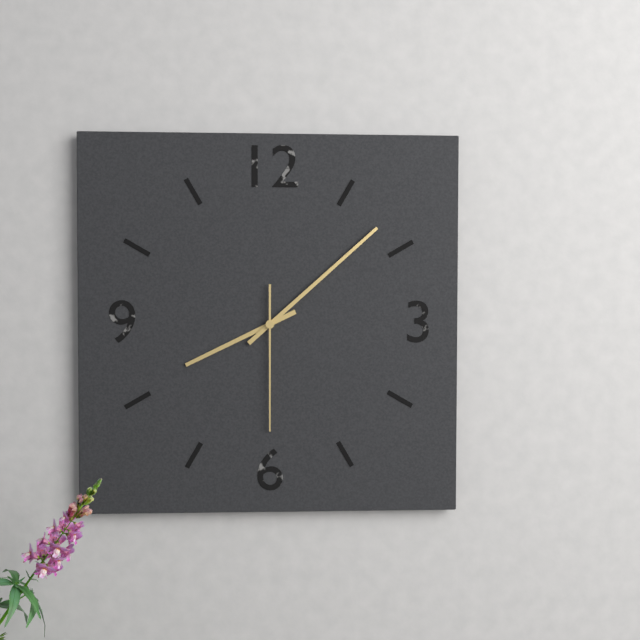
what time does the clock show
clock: 8:08:30
